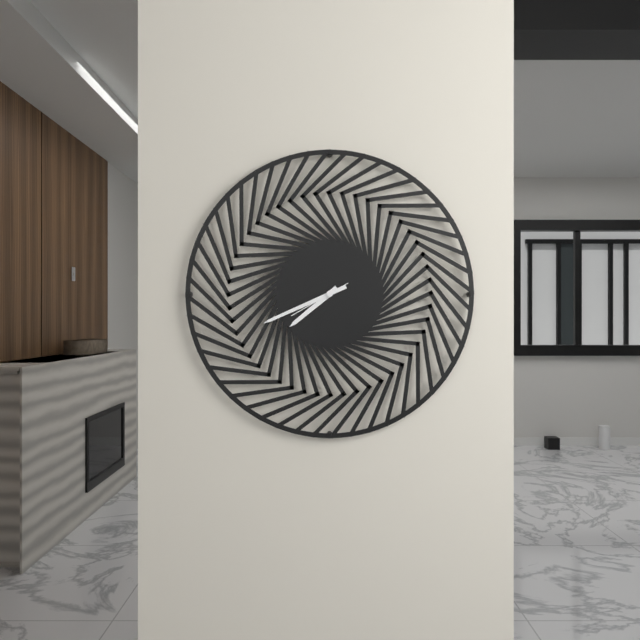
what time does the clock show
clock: 7:41:40
